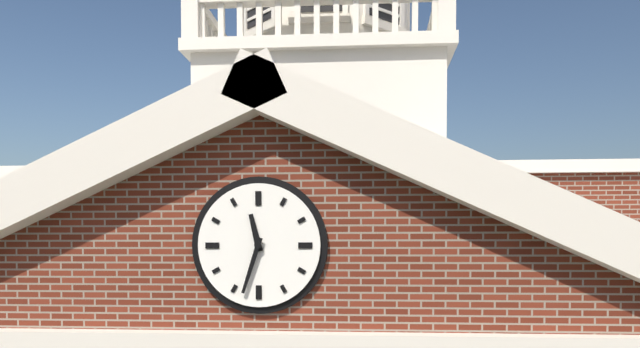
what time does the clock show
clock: 11:33
